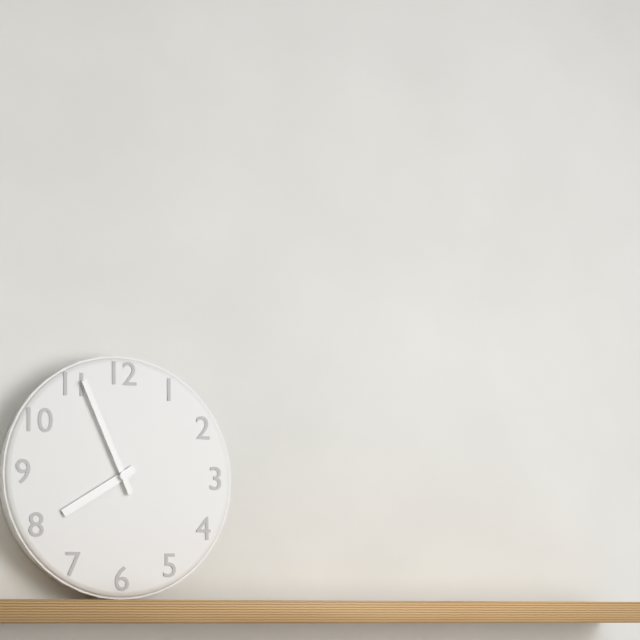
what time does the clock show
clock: 7:56
